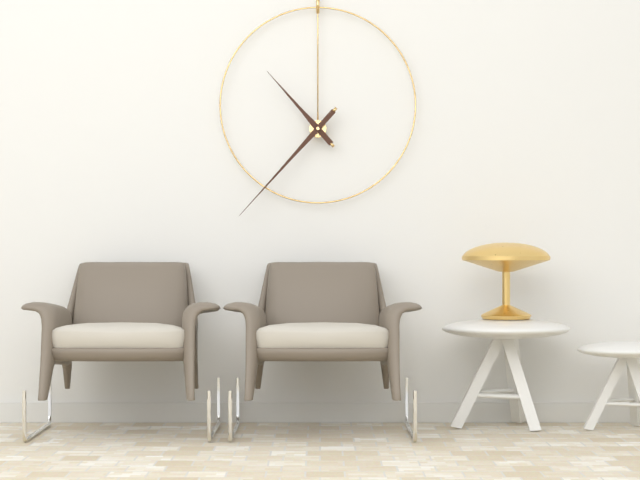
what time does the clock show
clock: 10:37
